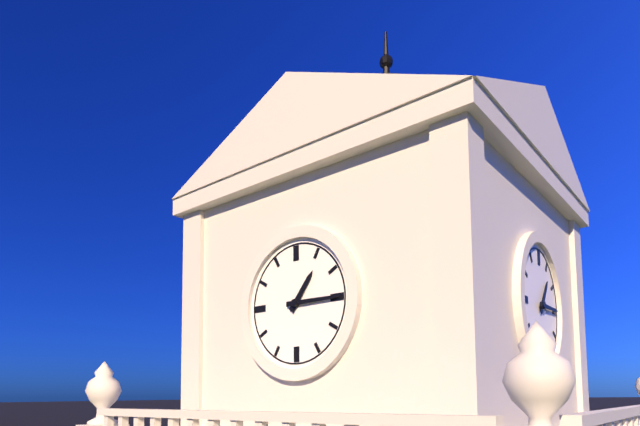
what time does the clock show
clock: 1:15
